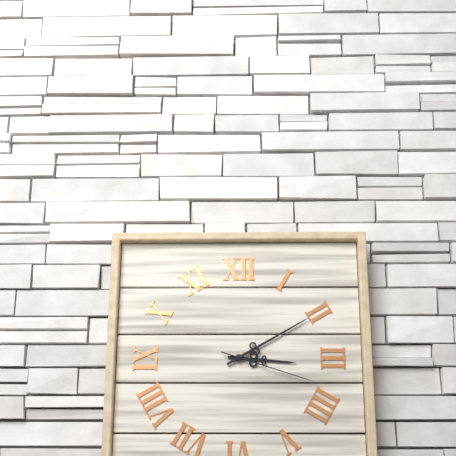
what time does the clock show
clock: 3:10:18
